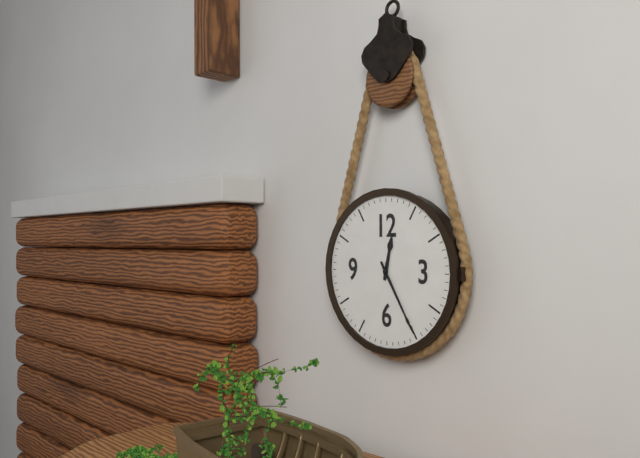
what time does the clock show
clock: 12:25
